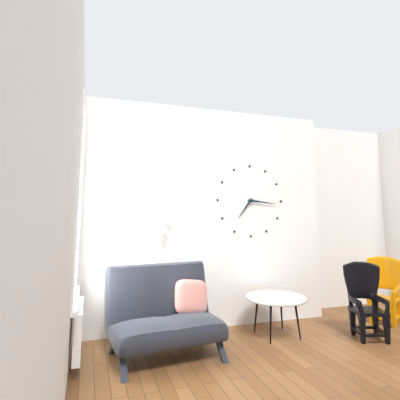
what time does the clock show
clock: 7:16
